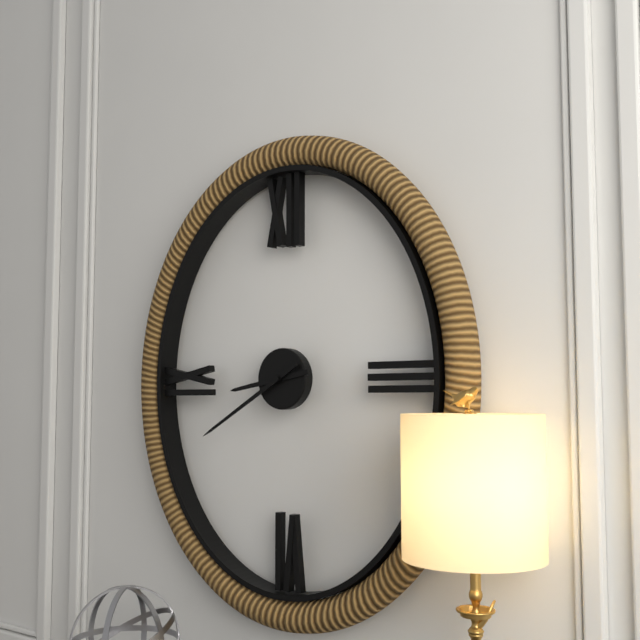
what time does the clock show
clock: 8:40
